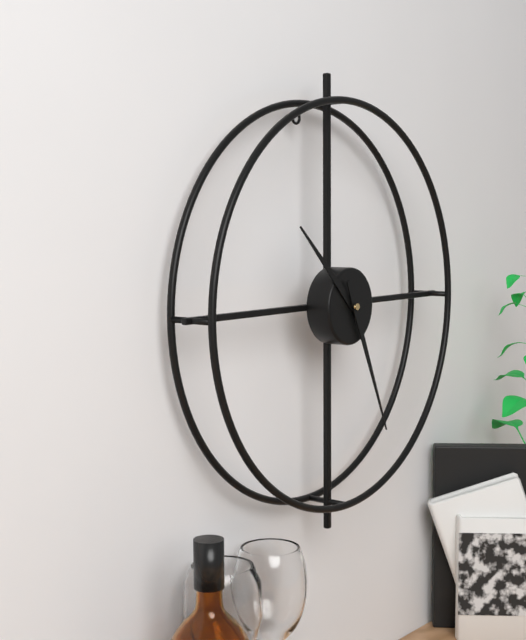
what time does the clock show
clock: 10:26
